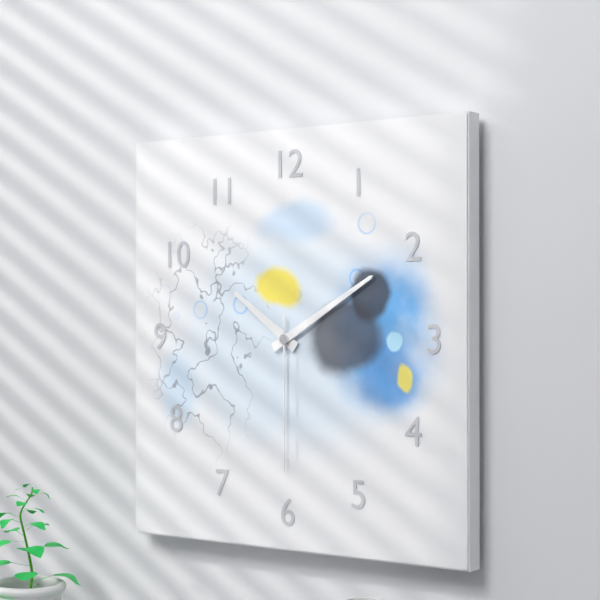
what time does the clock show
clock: 10:10:30
